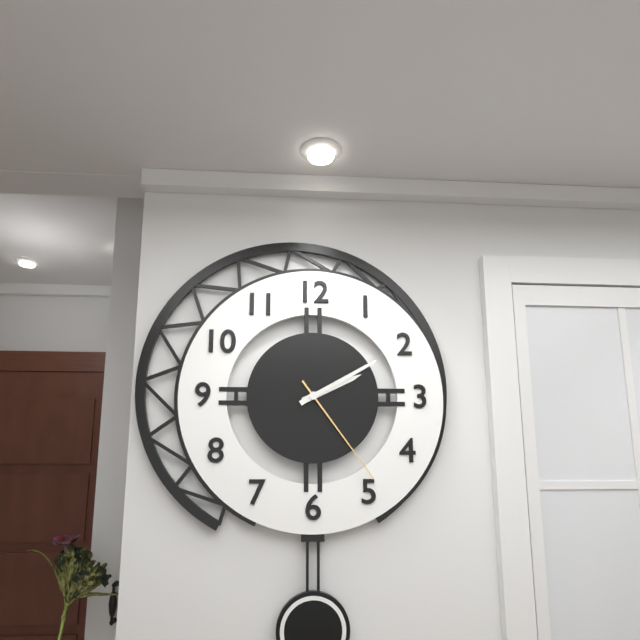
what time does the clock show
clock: 2:10:24
